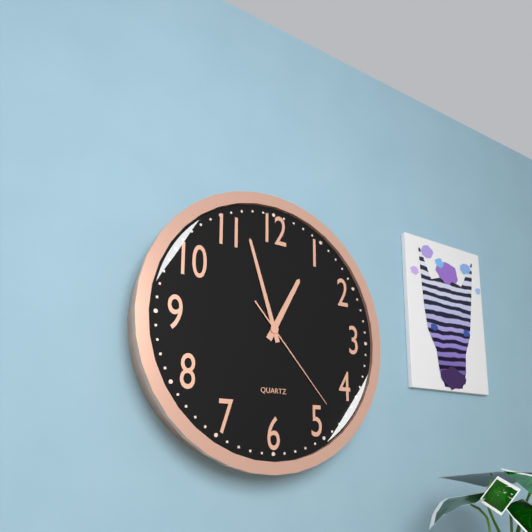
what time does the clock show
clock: 12:57:23
